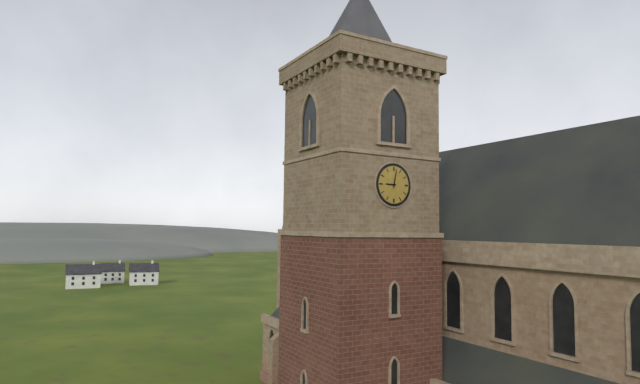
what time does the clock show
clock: 9:02
